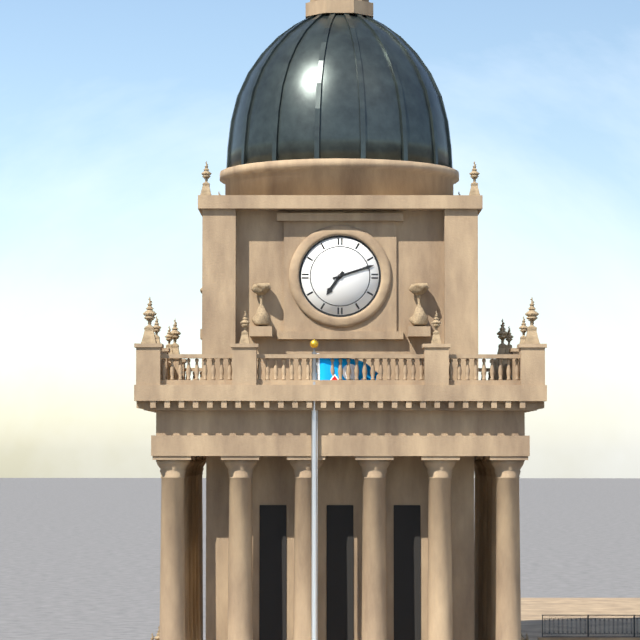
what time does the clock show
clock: 7:12
